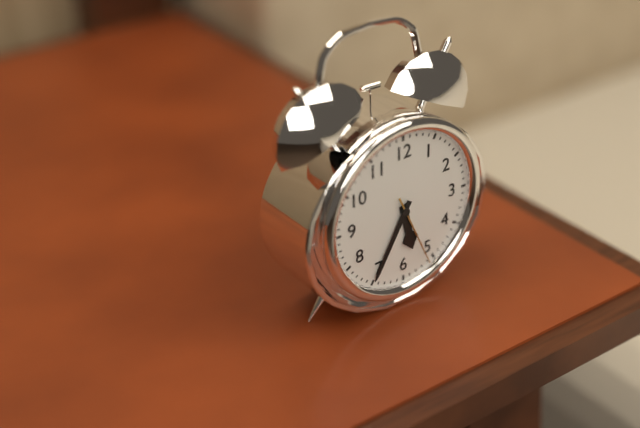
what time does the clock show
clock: 5:35:26
